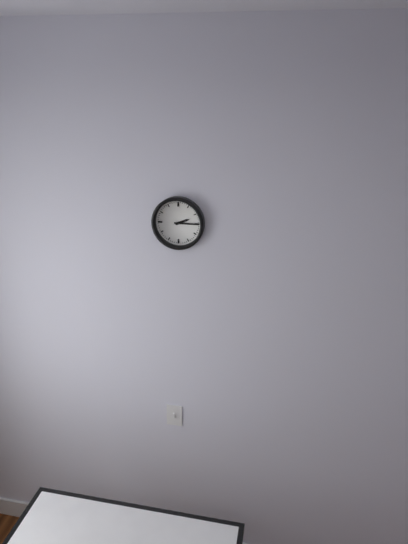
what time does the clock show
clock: 2:15
